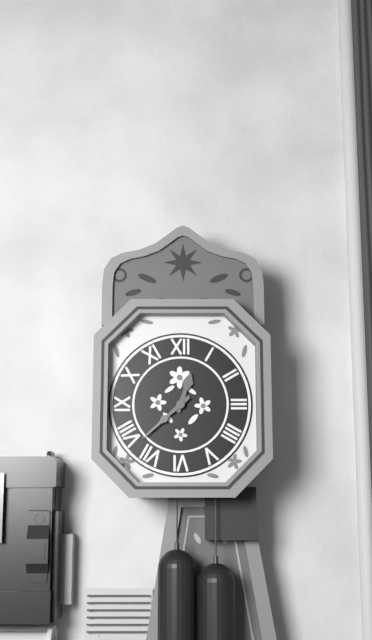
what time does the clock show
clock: 12:38
